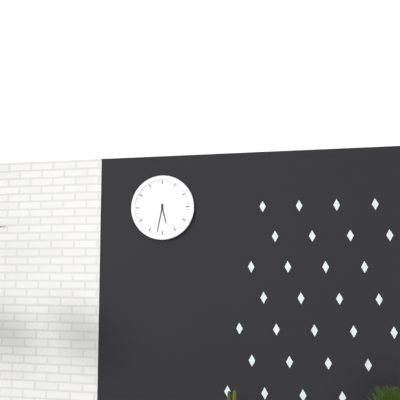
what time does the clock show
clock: 5:32
